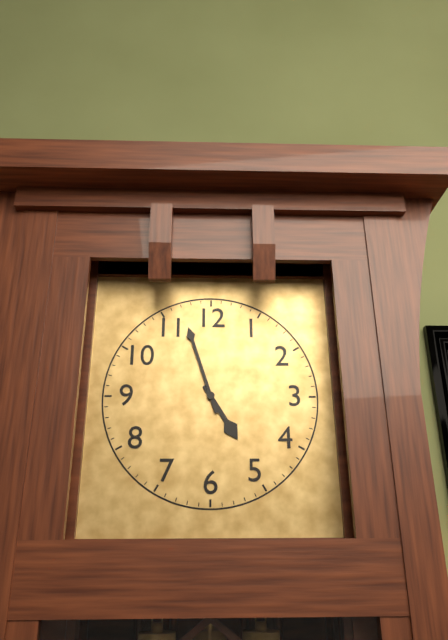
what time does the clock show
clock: 4:57
